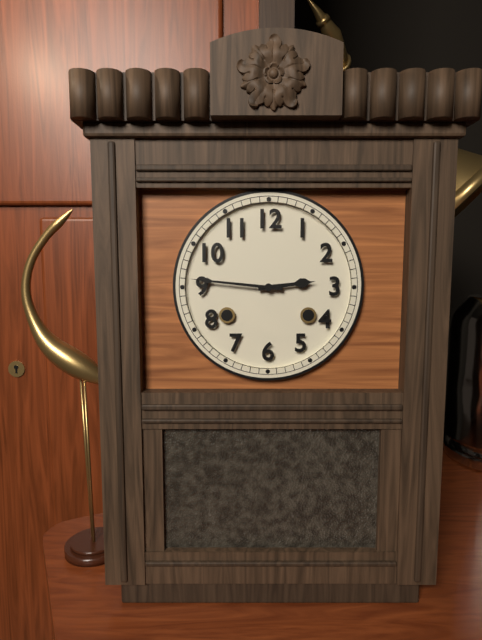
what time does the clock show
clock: 2:46
